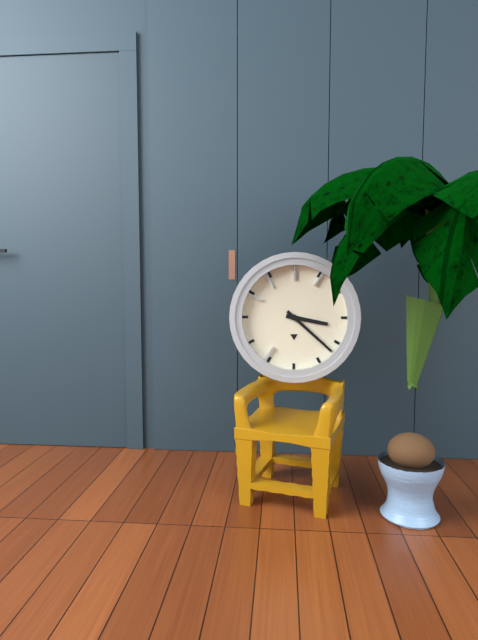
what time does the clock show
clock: 3:22
